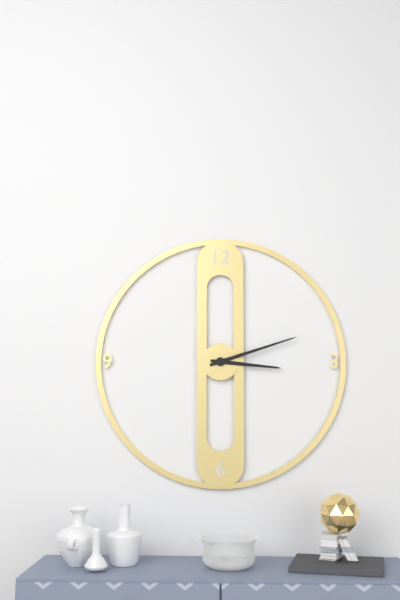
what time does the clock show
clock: 3:12
